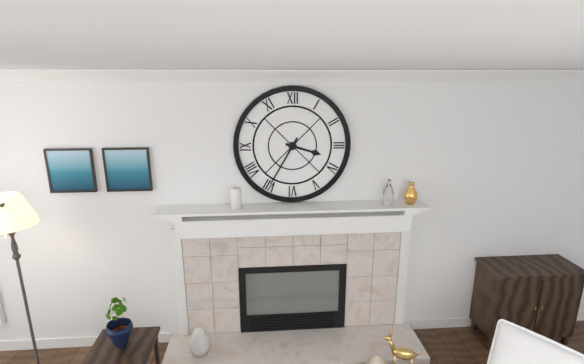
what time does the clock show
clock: 3:35
